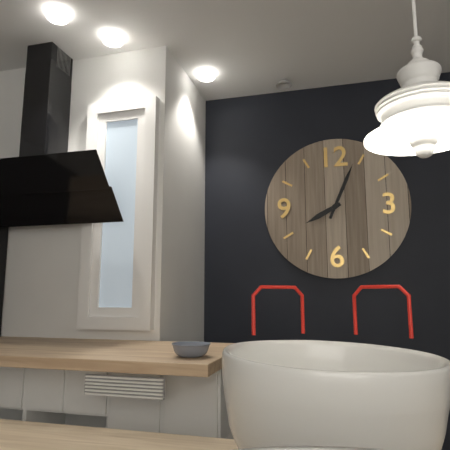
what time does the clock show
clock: 8:04
